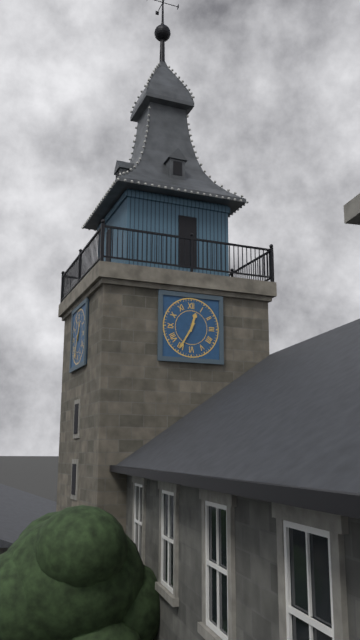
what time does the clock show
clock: 12:35
